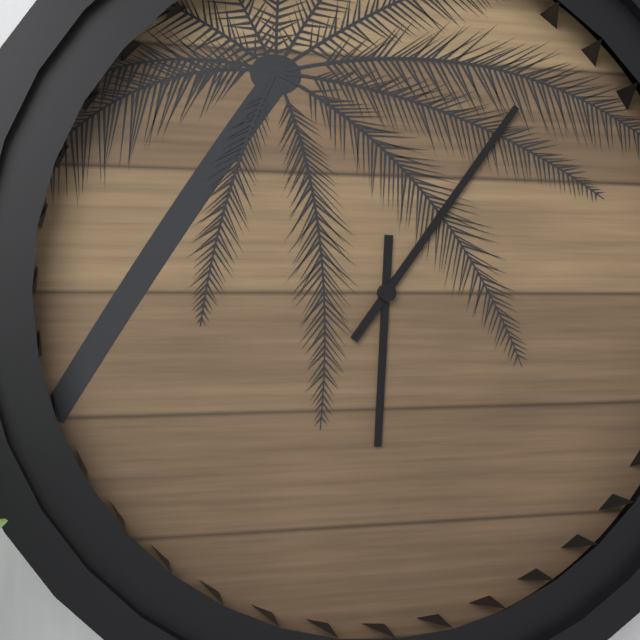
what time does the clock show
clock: 6:06
